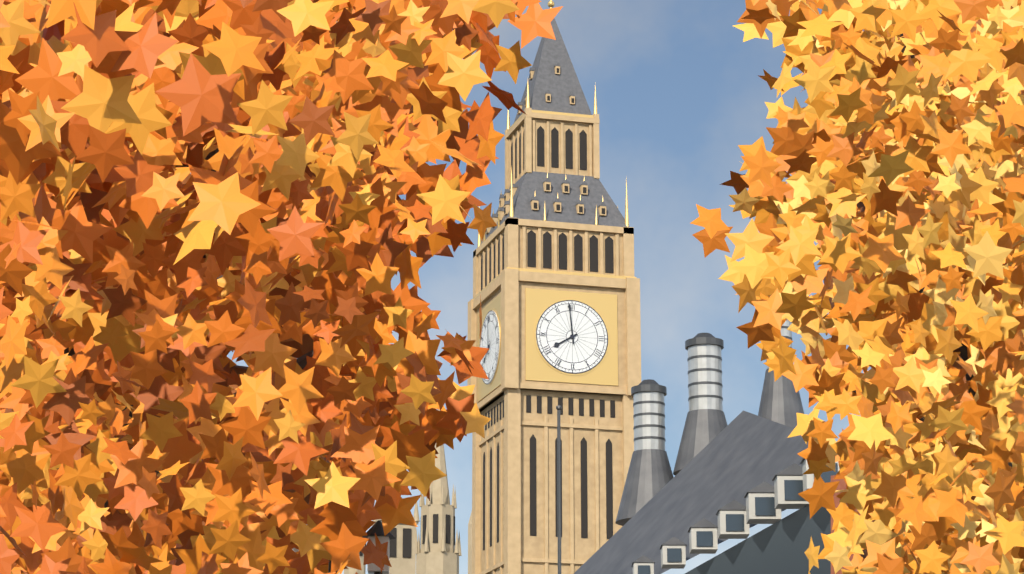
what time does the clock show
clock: 7:59
